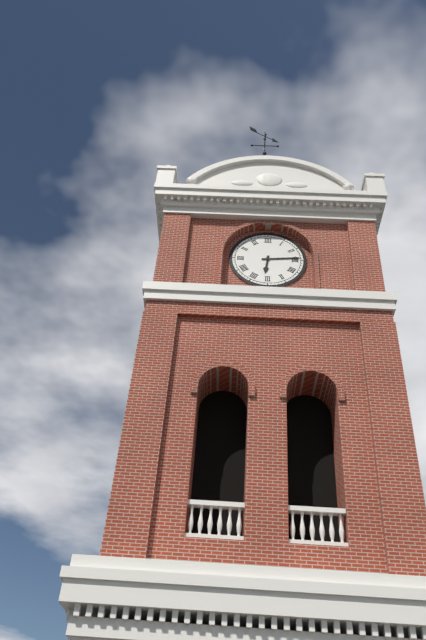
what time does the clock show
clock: 6:14
